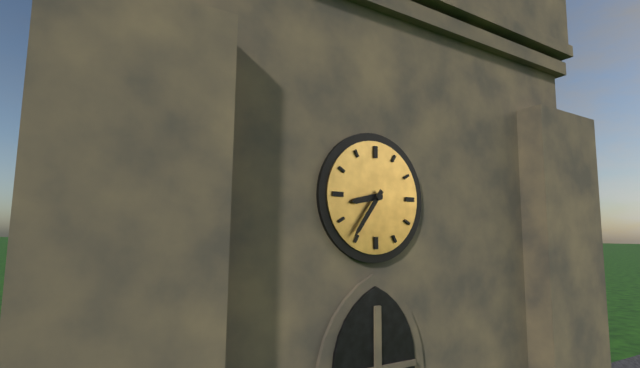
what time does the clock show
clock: 8:36
